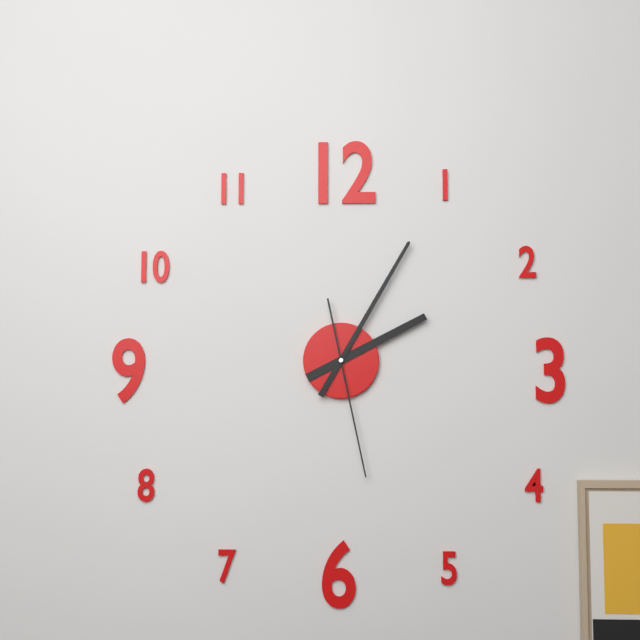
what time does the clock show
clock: 2:05:28
